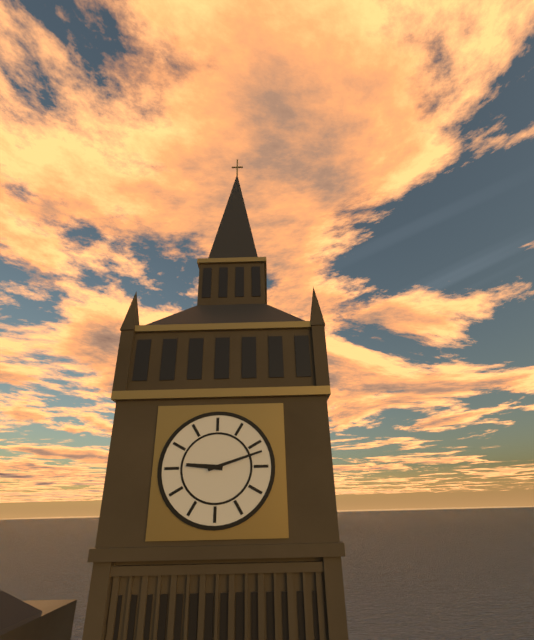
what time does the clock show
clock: 9:12
